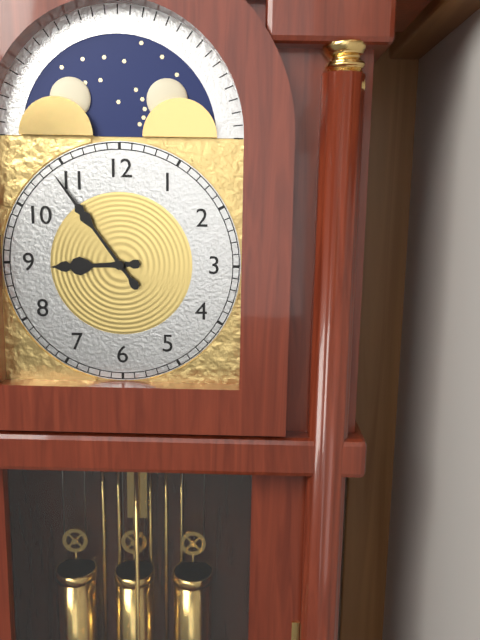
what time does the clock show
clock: 8:54
